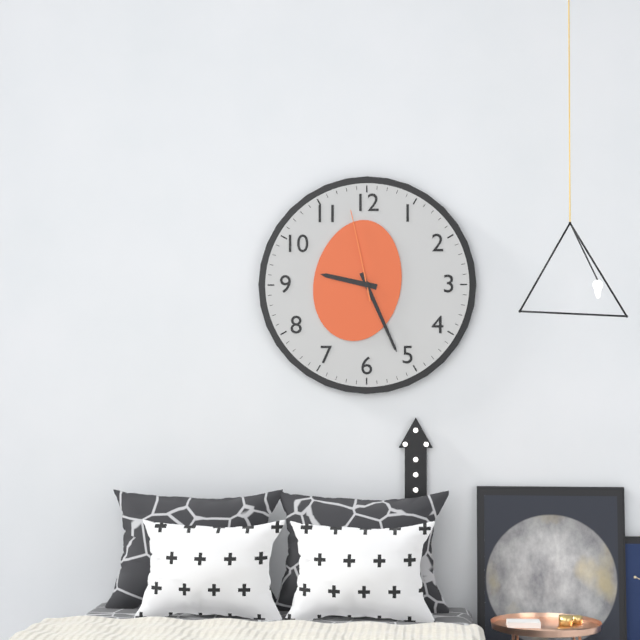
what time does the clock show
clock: 9:26:58
